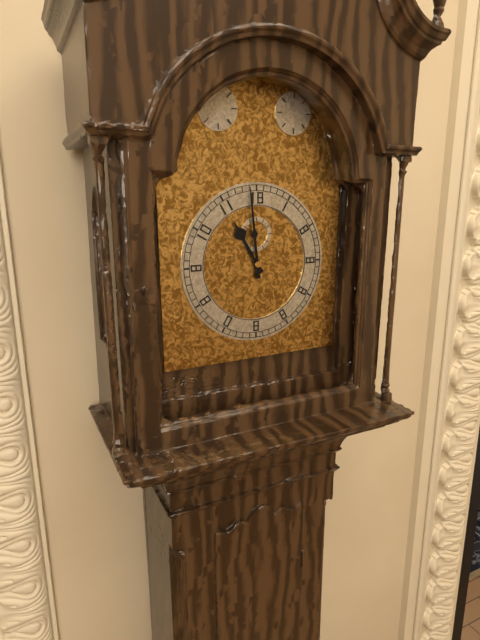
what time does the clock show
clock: 10:59
